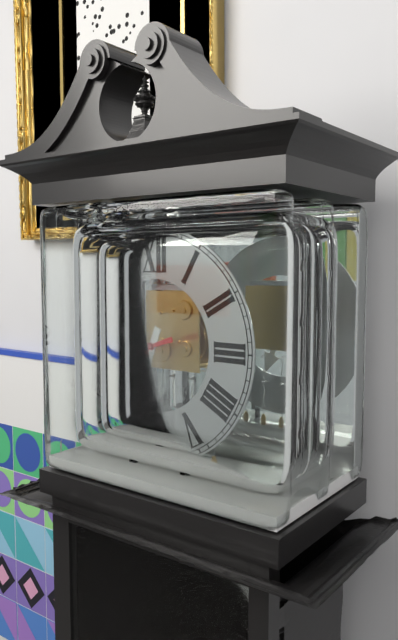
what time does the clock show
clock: 6:42
